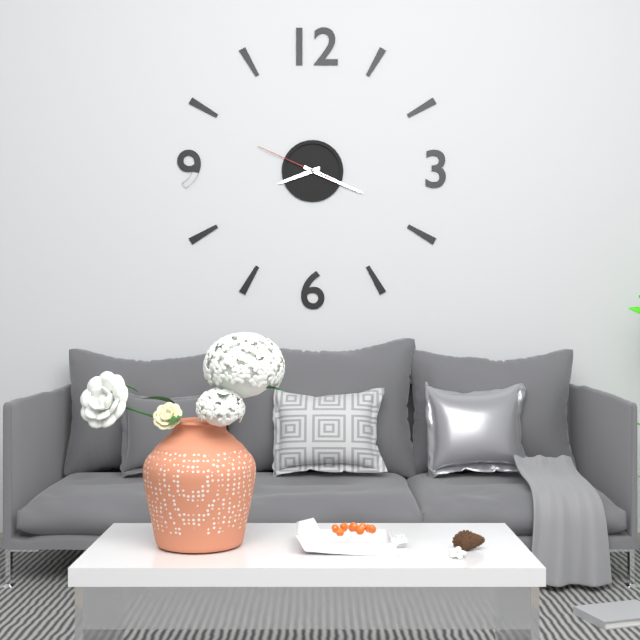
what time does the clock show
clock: 8:19:49
